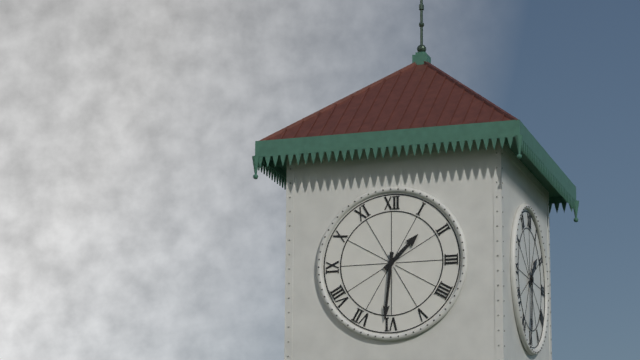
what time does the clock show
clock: 1:31
